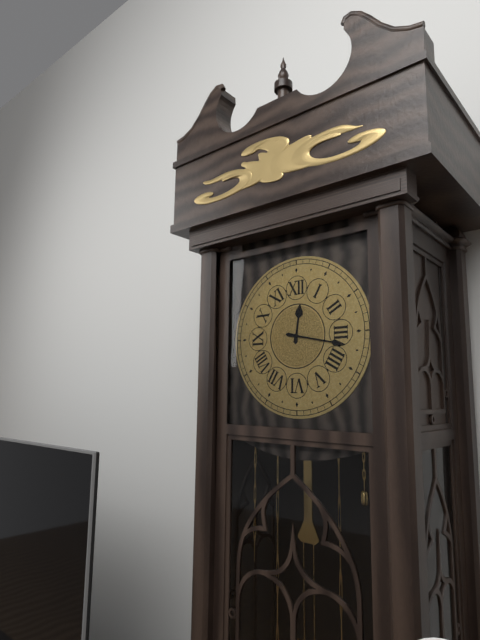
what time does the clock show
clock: 12:17
